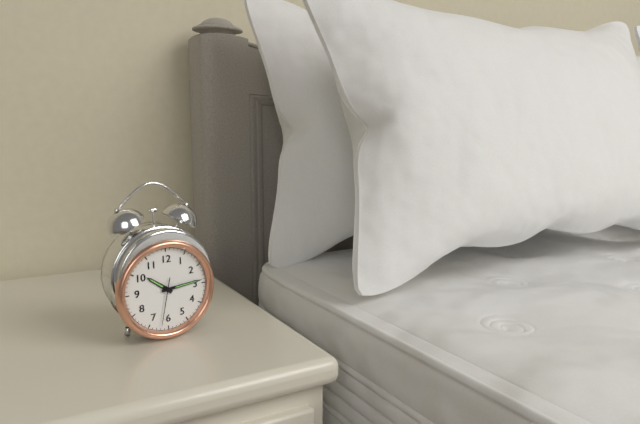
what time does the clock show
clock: 10:14
